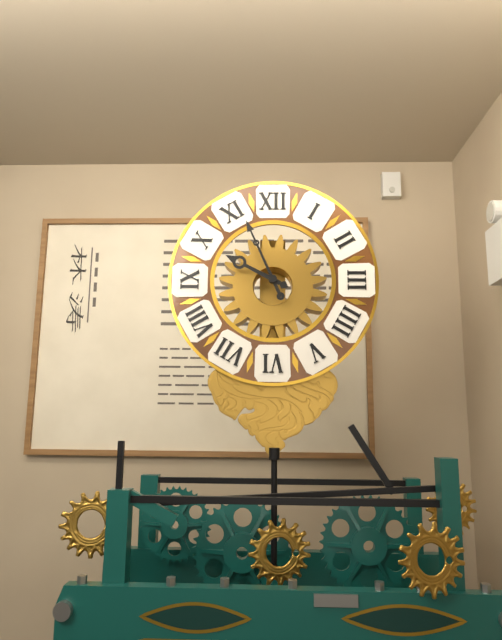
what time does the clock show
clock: 9:56
